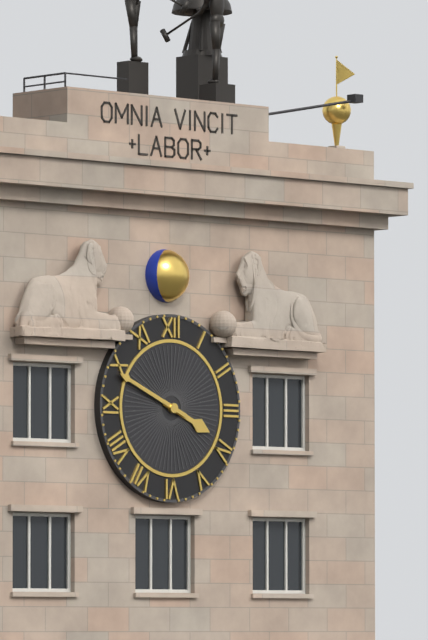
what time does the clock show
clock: 3:49
